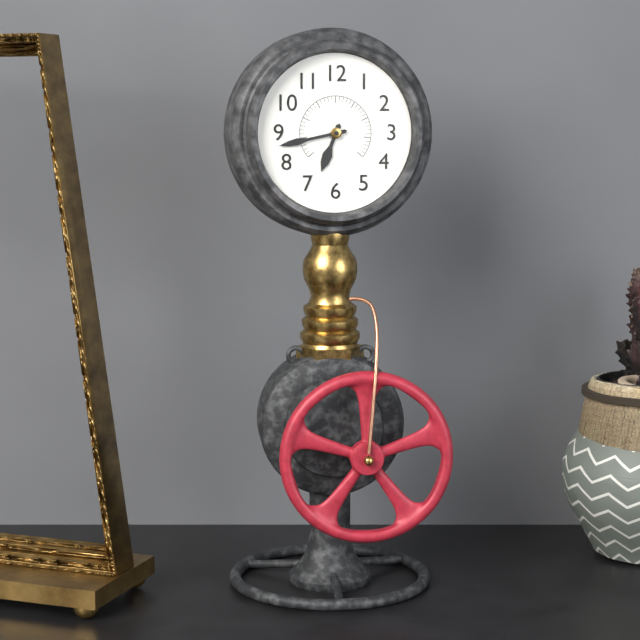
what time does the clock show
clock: 6:43
